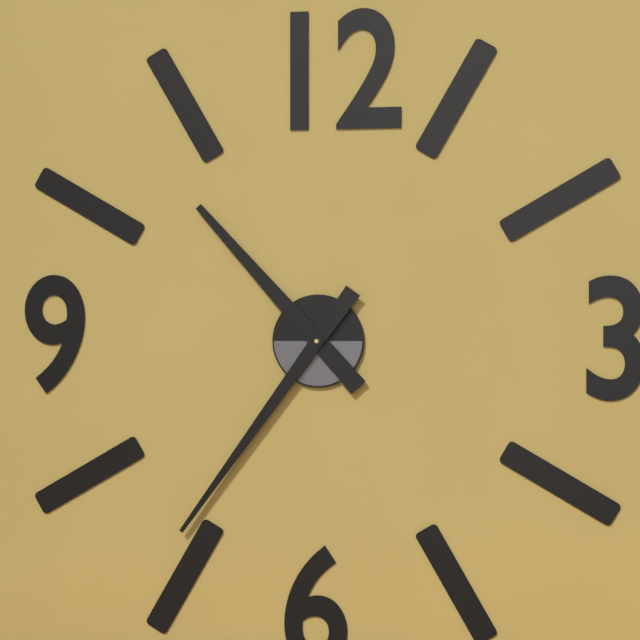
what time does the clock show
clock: 10:36
